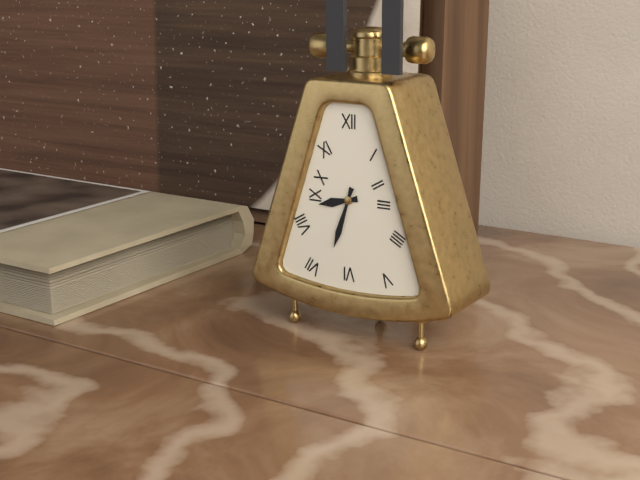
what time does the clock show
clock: 8:33
